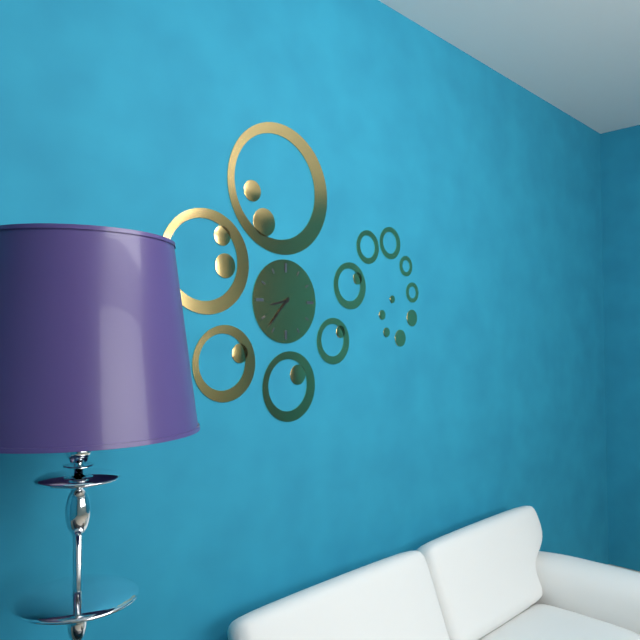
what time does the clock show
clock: 8:37
